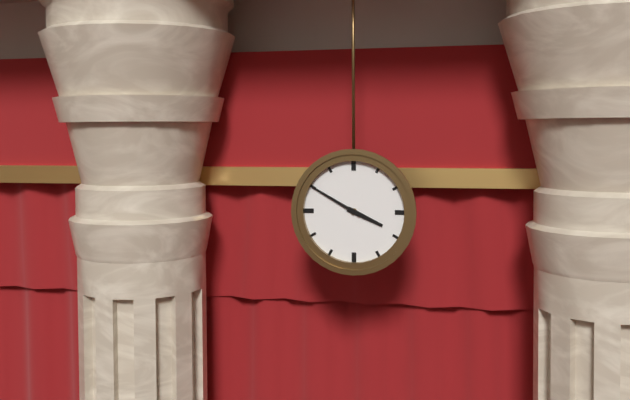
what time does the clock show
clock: 3:50
